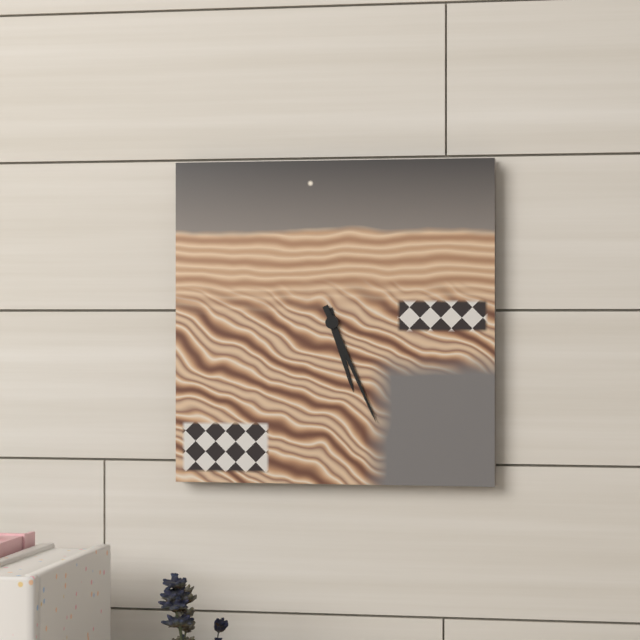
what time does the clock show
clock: 5:26
